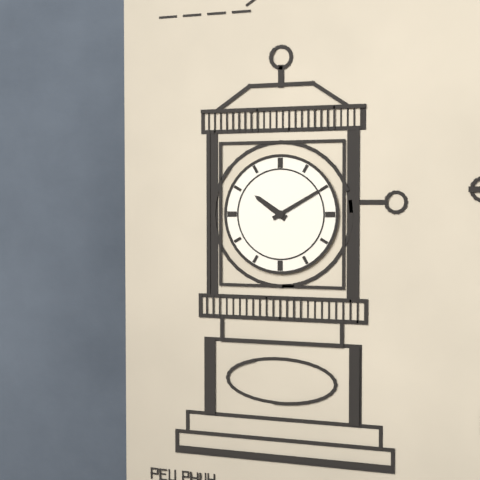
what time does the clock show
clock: 10:10
